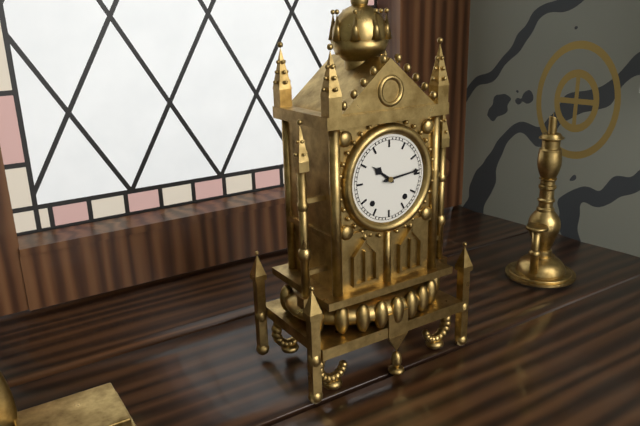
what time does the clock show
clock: 10:14
